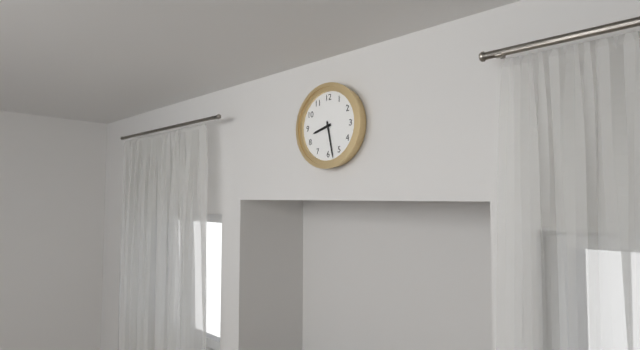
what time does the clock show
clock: 8:28
